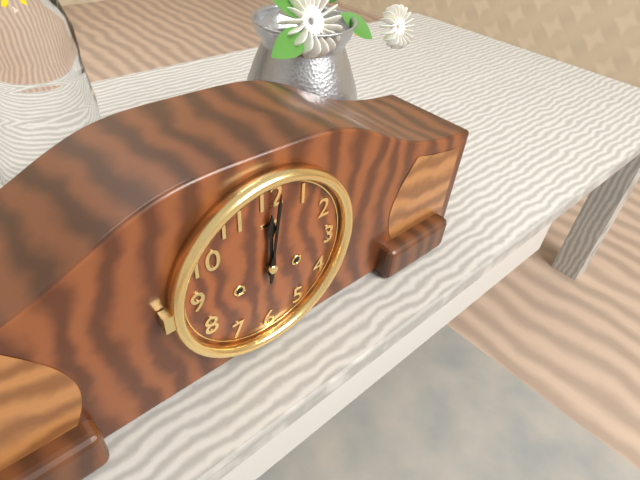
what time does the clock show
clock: 12:01
